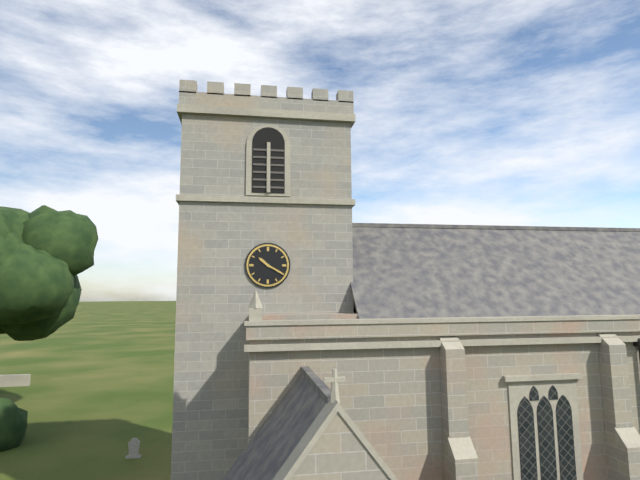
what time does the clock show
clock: 10:20
